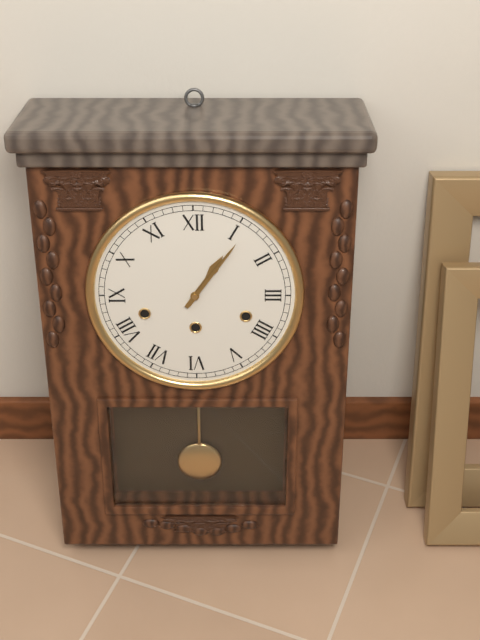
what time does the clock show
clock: 1:06
